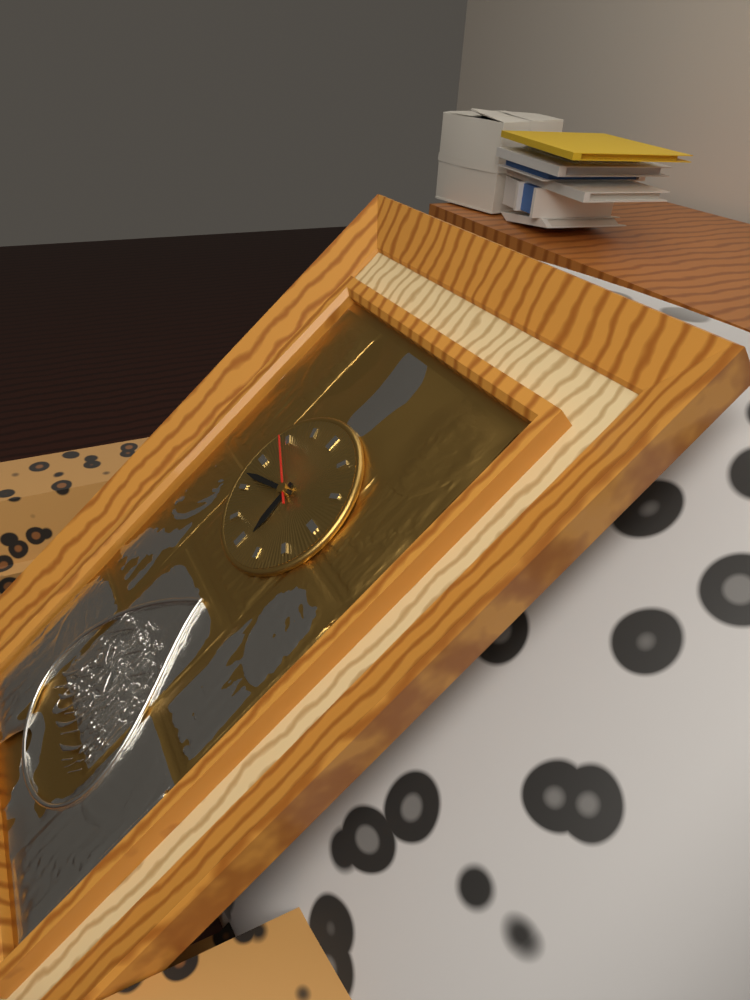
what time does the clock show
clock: 5:42:49
